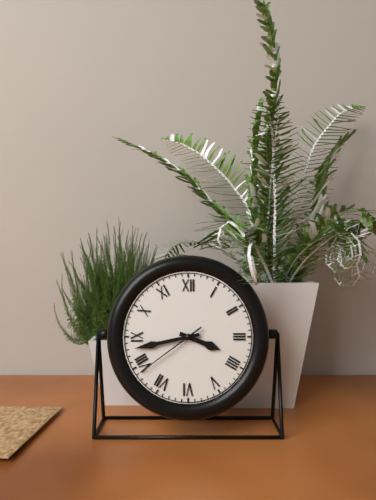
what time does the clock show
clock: 3:43:39
